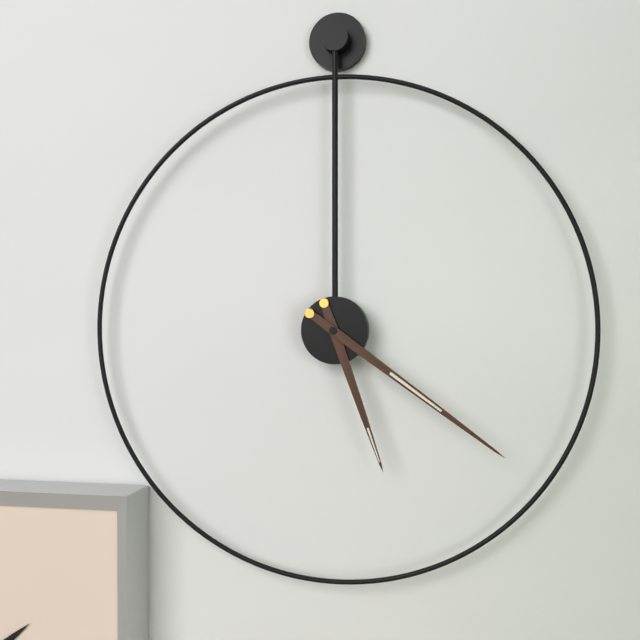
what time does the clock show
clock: 5:21
